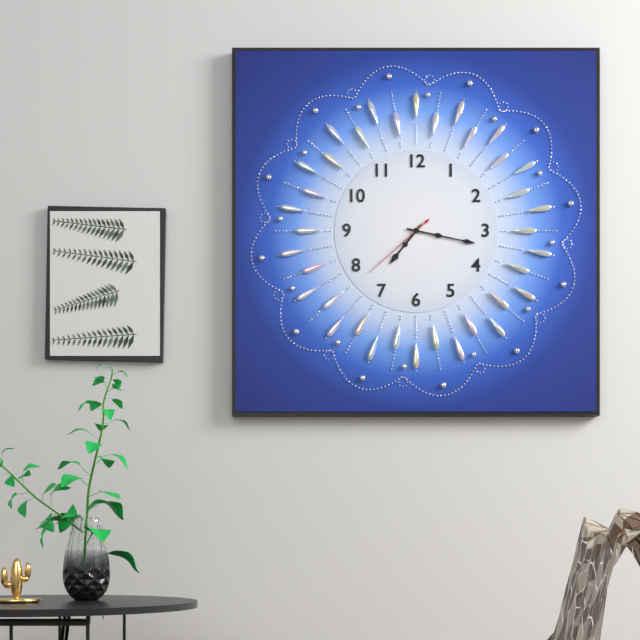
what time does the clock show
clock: 7:17:38
